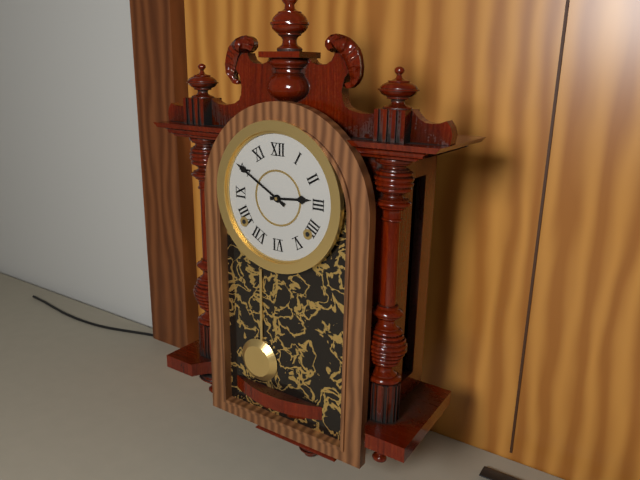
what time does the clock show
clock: 2:50
